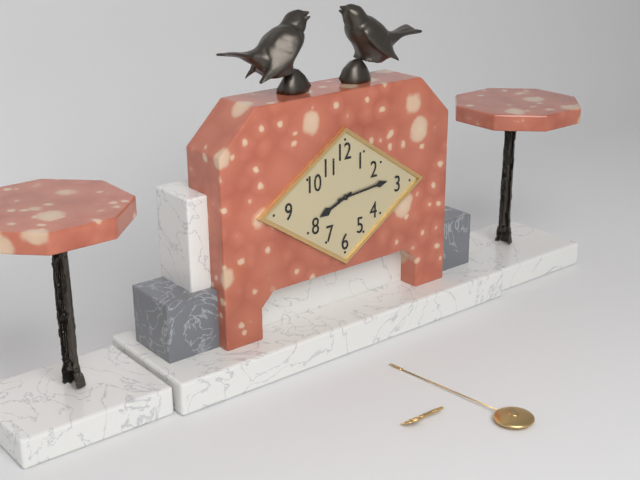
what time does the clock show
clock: 8:14
